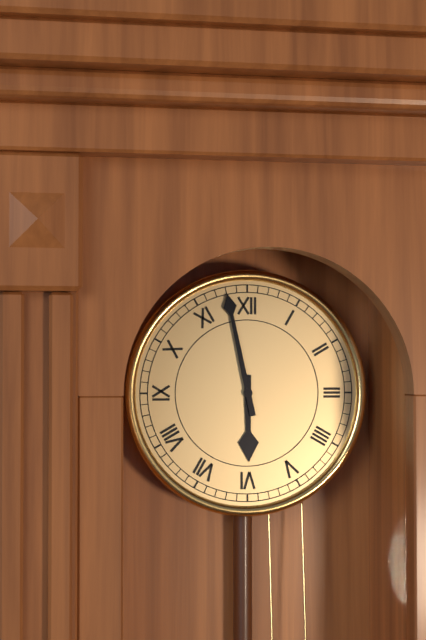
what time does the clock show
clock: 5:58
